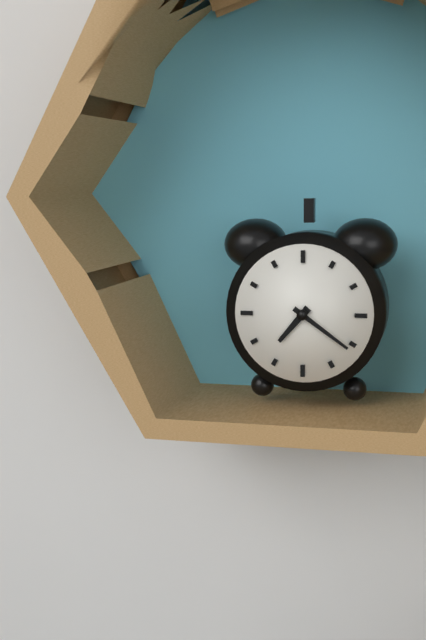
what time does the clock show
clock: 7:21
